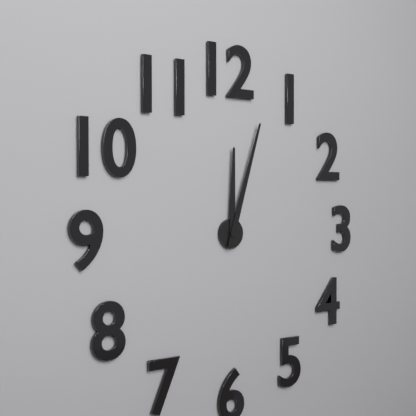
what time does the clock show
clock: 12:03
